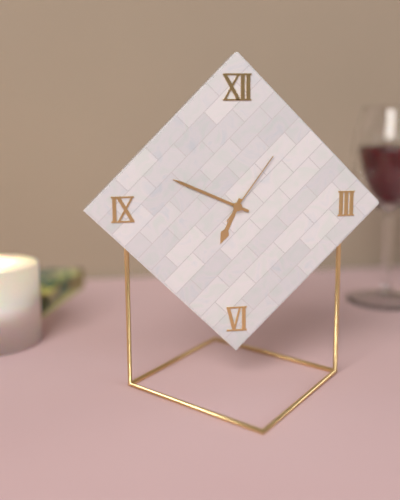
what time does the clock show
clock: 6:49:06
